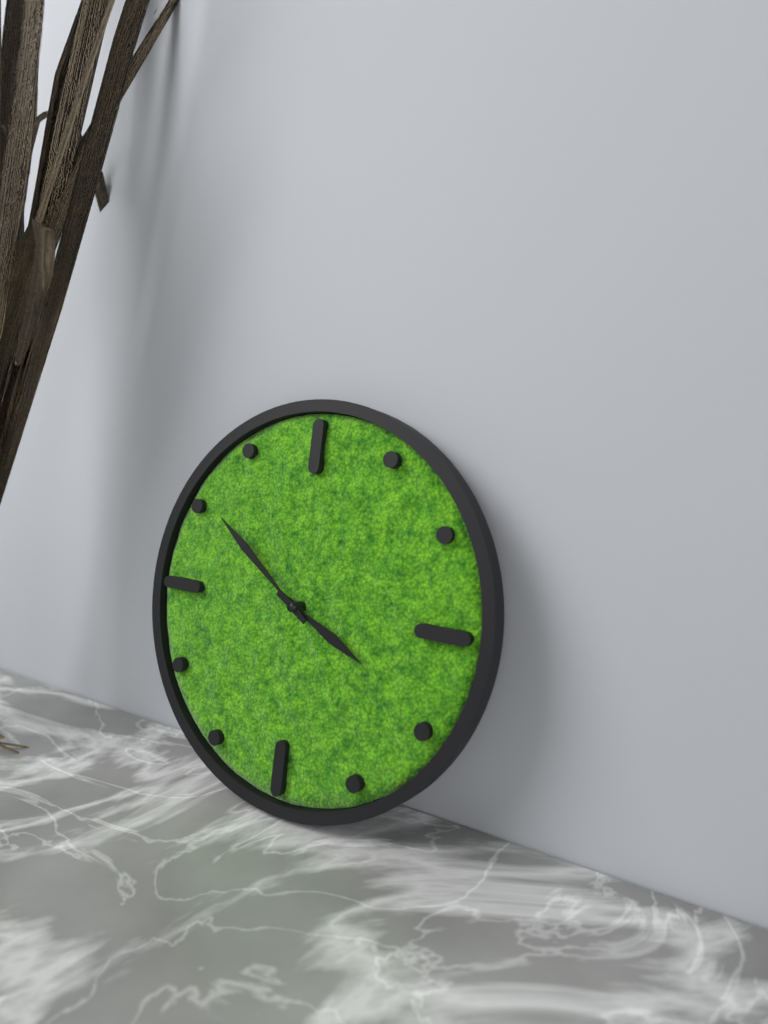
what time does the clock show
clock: 3:51
